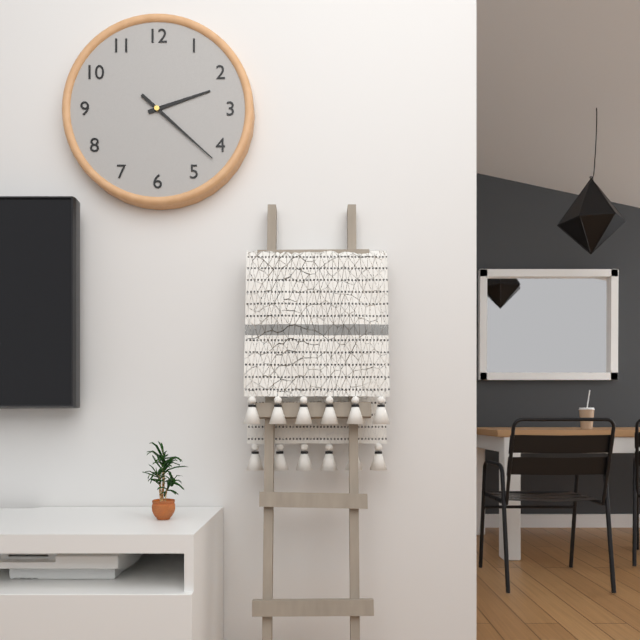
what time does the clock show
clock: 2:22
